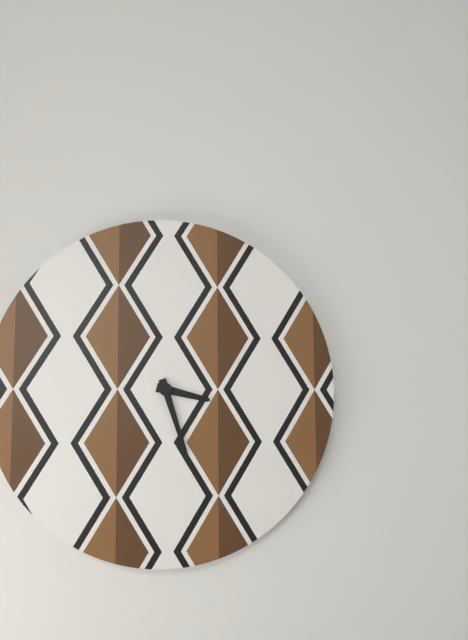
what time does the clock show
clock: 3:27
